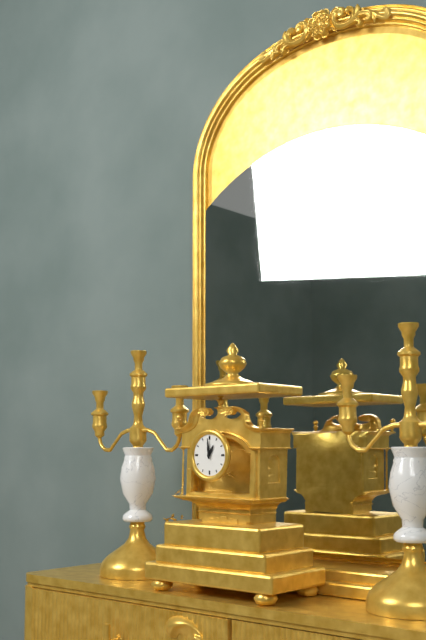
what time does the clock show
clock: 12:59
